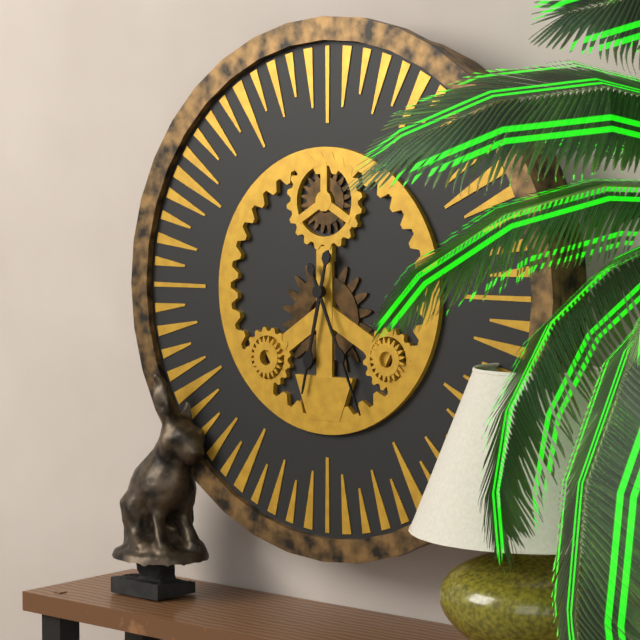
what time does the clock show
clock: 6:26
